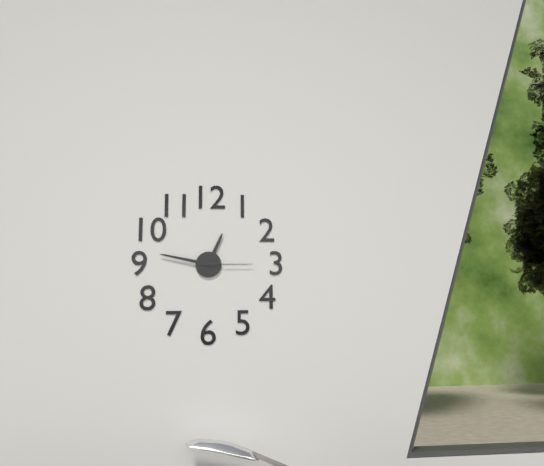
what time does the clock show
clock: 12:47:15
